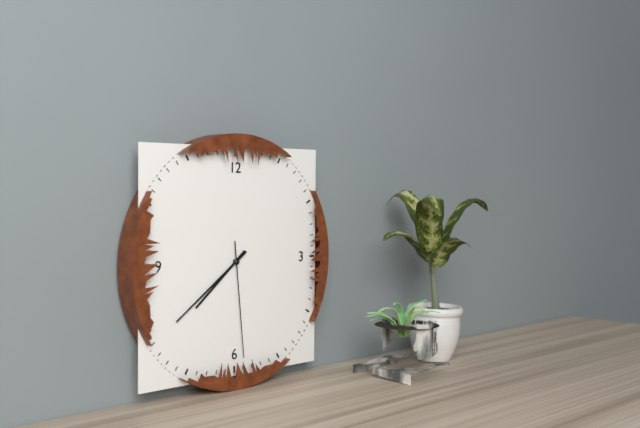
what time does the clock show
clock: 7:39:29
